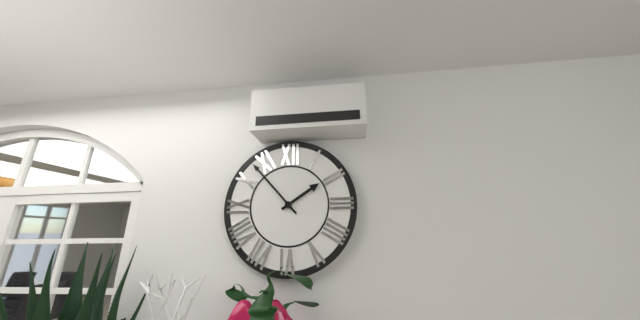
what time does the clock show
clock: 1:53
